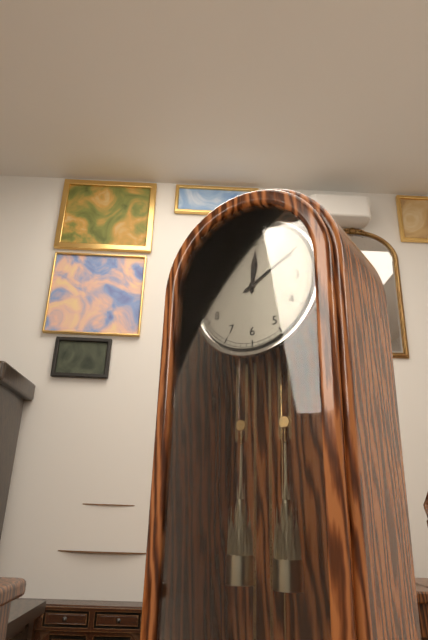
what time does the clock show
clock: 12:10
